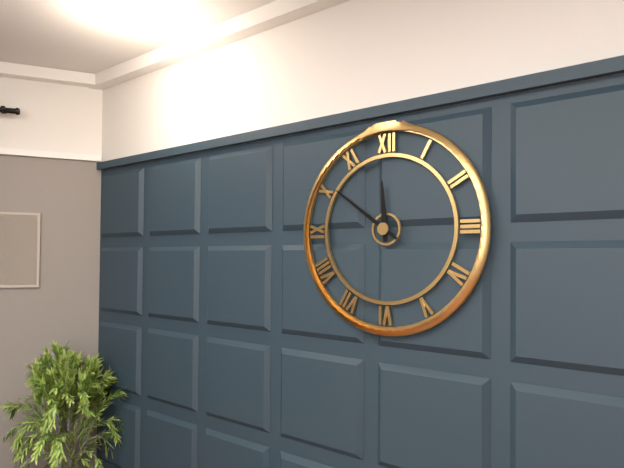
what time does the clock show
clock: 11:51
